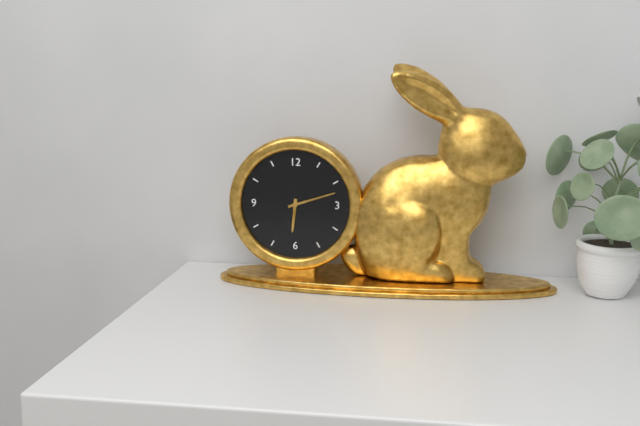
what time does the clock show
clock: 6:12
